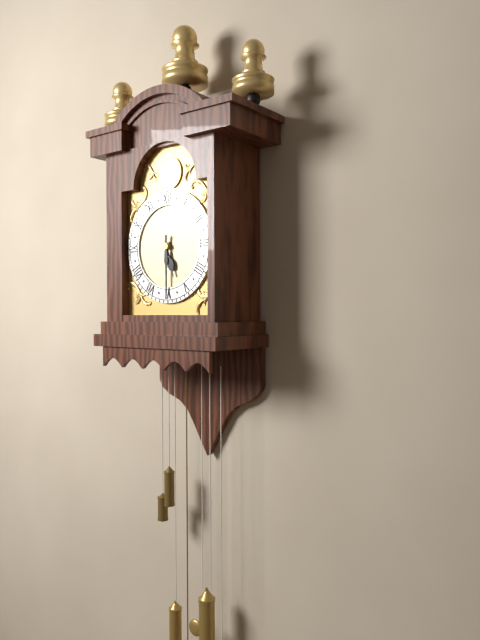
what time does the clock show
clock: 5:30
